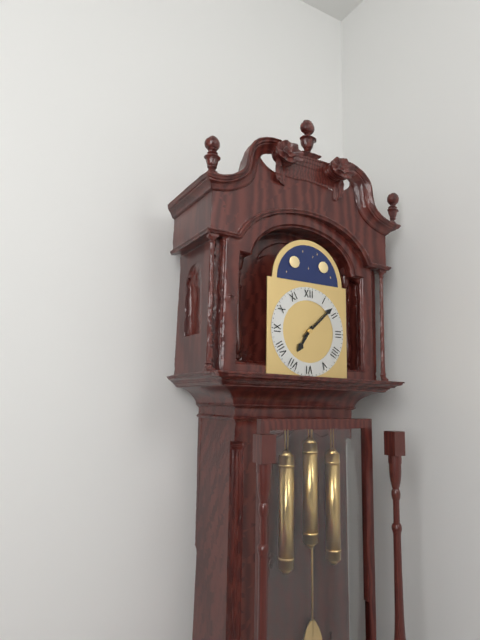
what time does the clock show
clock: 7:08
